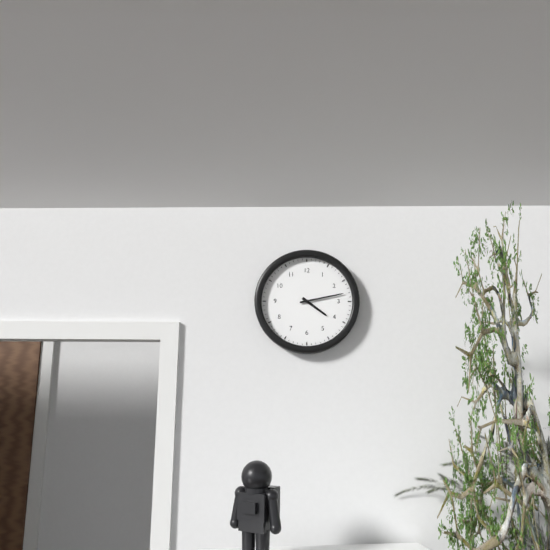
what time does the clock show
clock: 4:13
